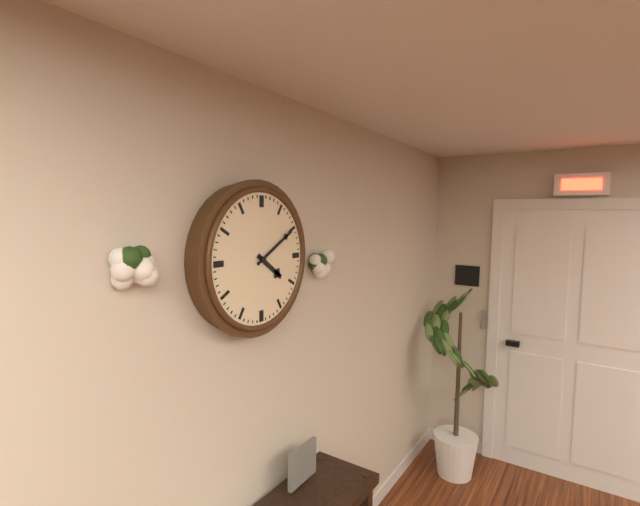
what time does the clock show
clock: 4:10
